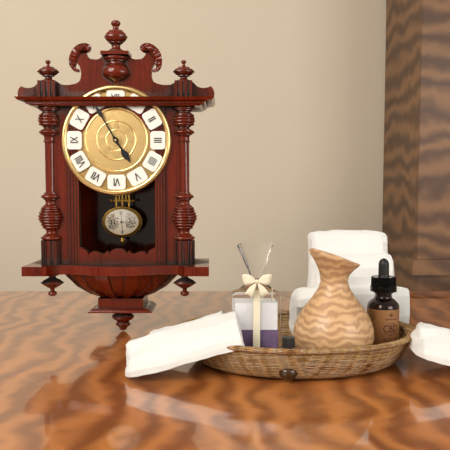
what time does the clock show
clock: 4:55
